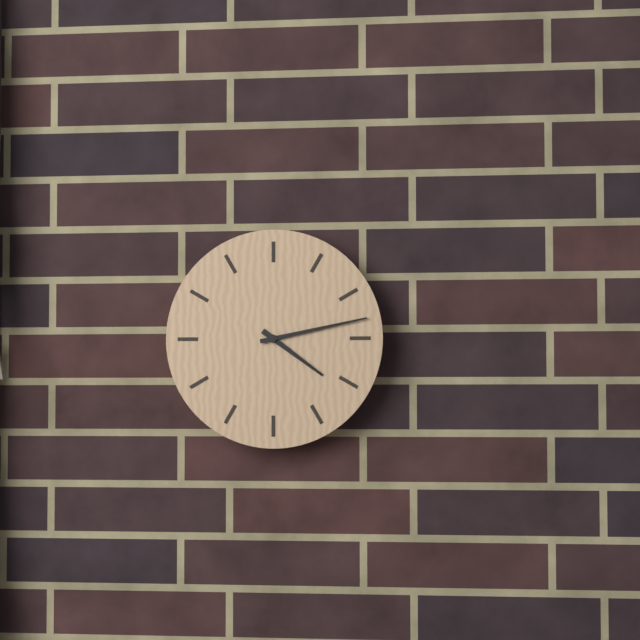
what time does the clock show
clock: 4:13
